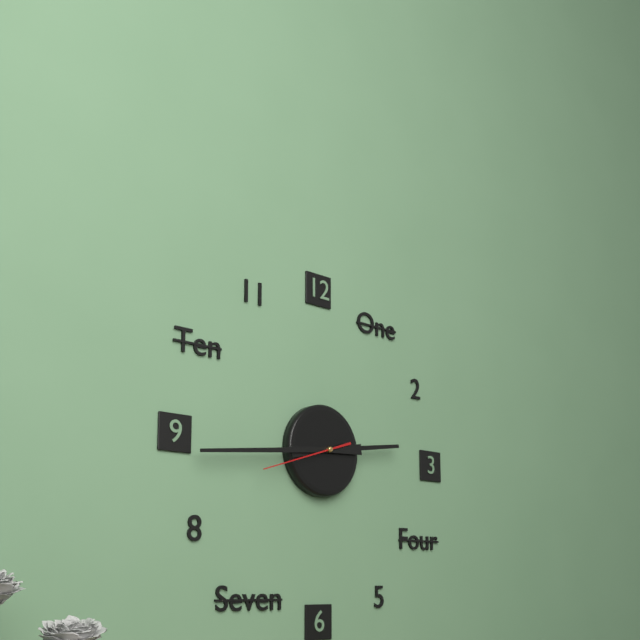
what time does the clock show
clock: 2:44:42
